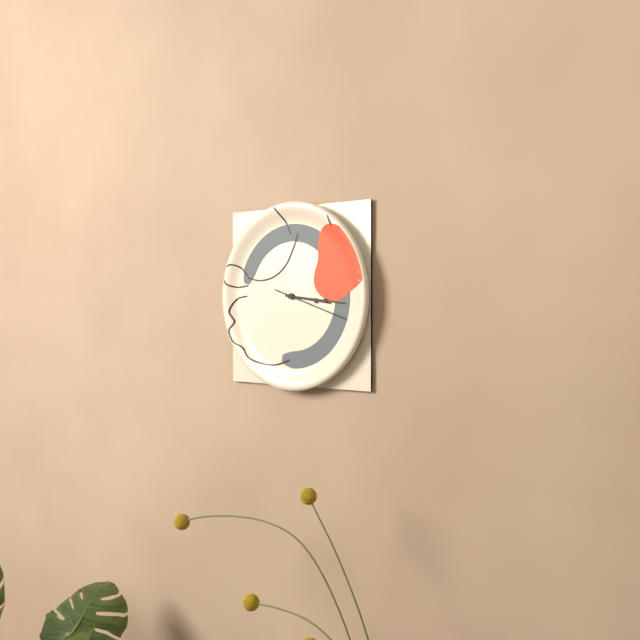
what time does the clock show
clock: 3:16:18
